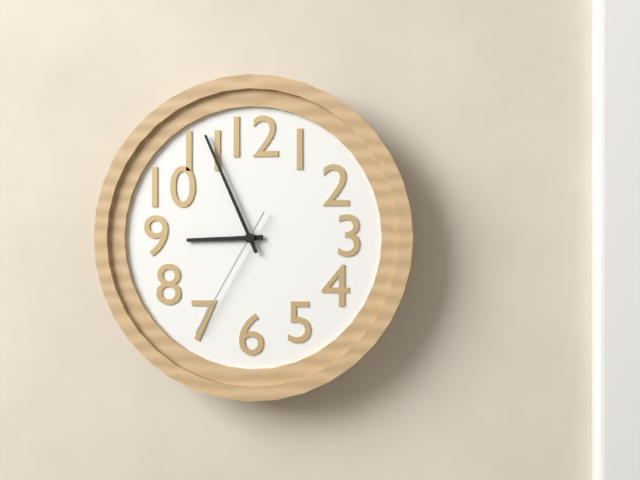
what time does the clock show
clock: 8:56:35
